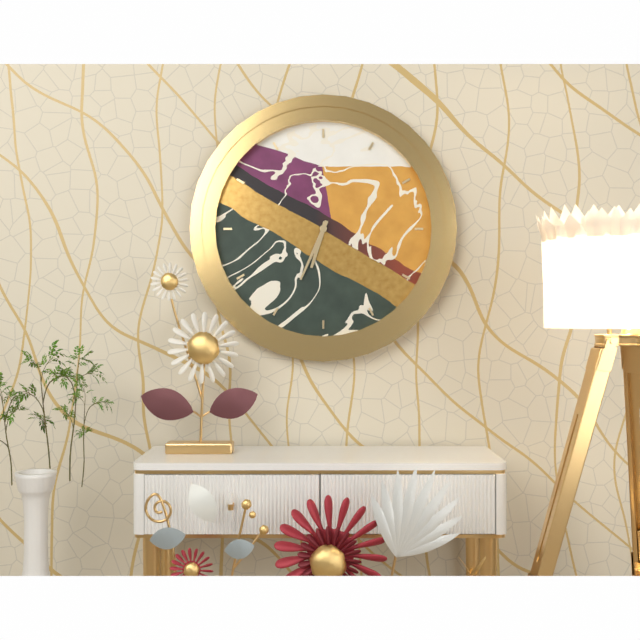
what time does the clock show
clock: 6:34
